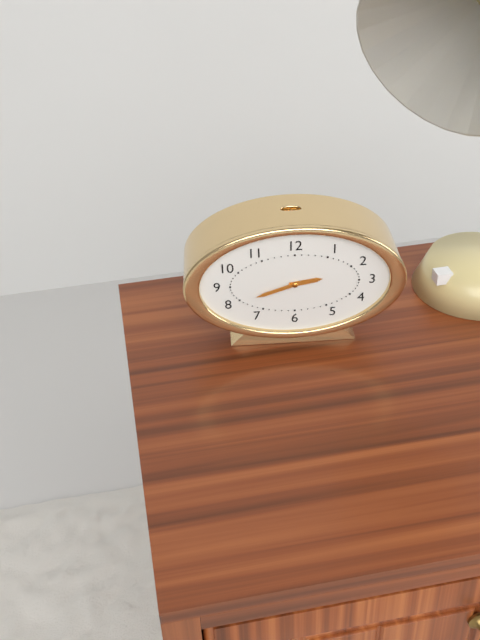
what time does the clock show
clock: 2:42
